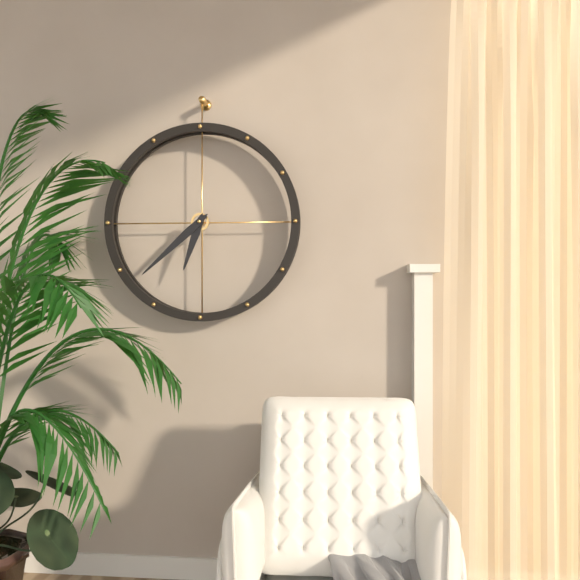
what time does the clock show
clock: 6:38
